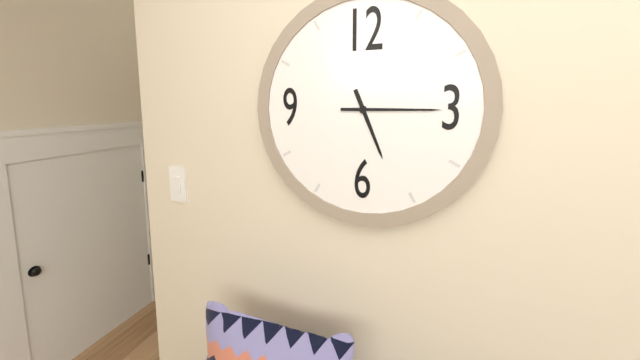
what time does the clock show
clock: 5:15
